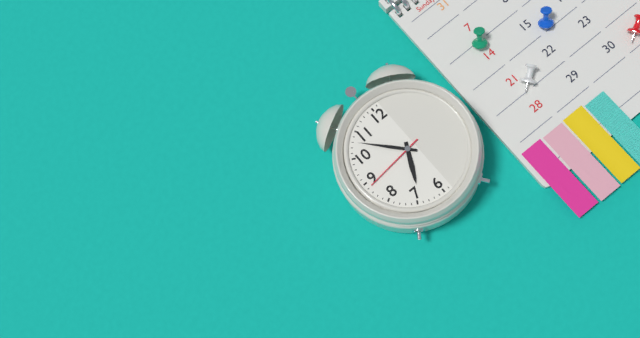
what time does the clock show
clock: 6:53:44
